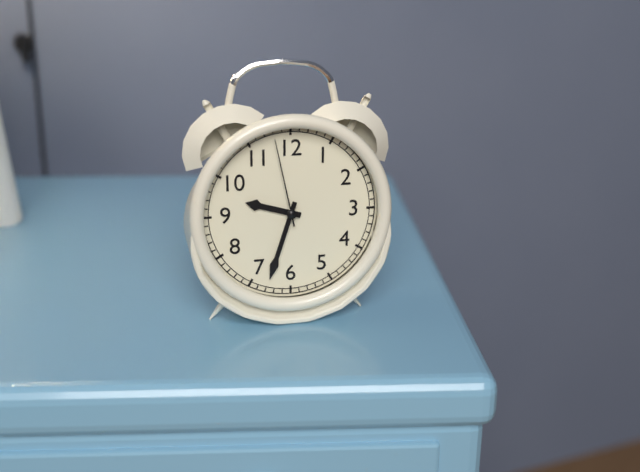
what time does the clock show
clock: 9:33:58
